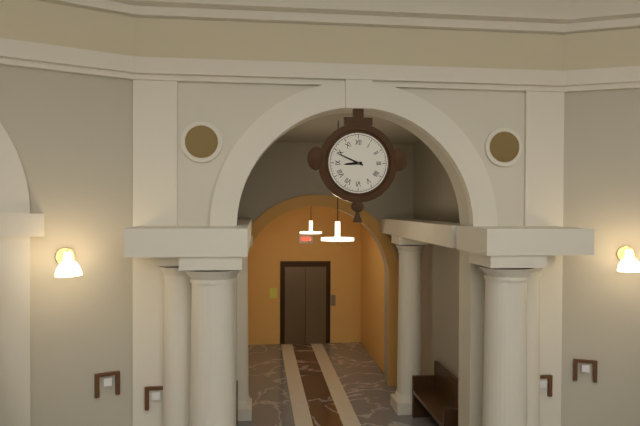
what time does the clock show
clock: 8:49
